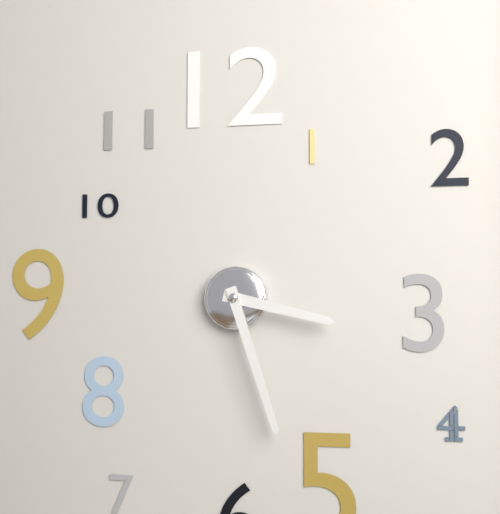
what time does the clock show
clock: 3:27
